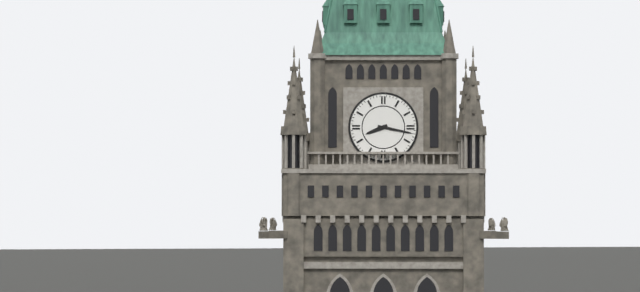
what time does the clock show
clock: 8:17
